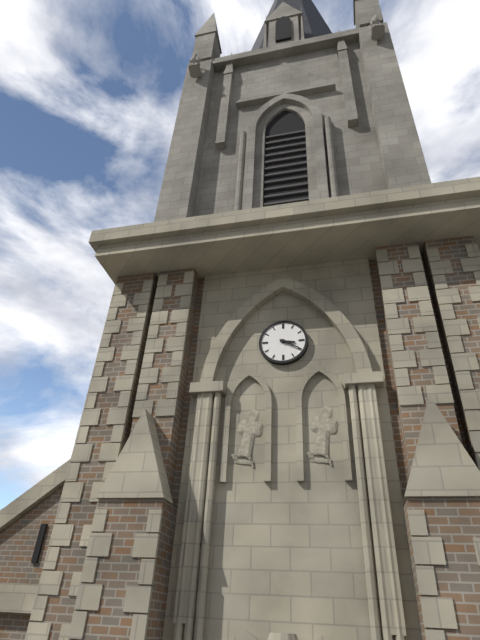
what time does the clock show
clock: 3:20
